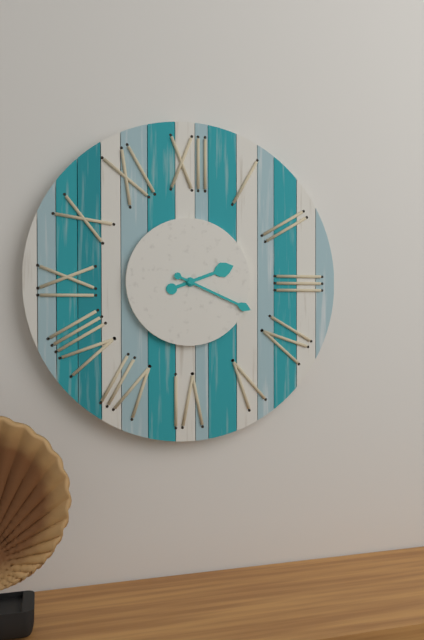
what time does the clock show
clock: 2:19
